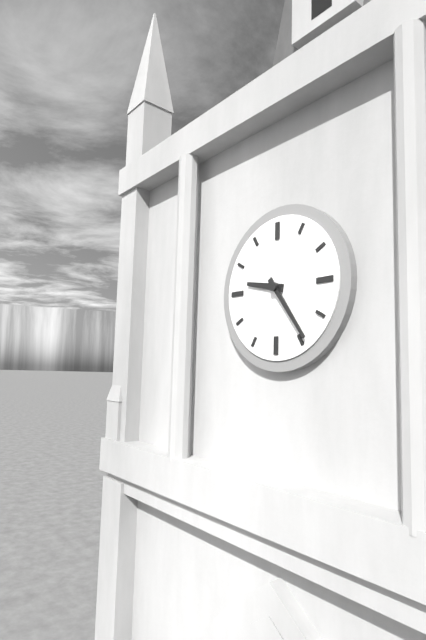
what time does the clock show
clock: 9:24
